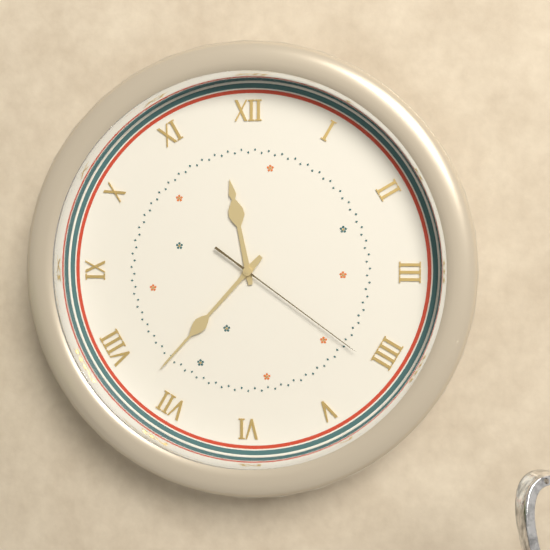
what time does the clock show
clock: 11:37:21
